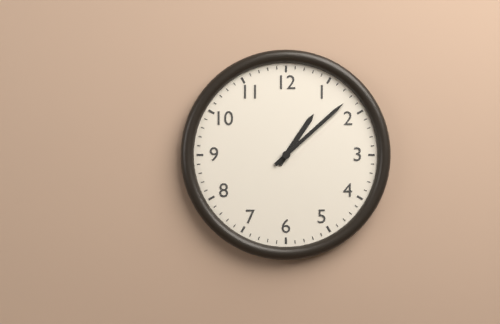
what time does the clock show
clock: 1:08
